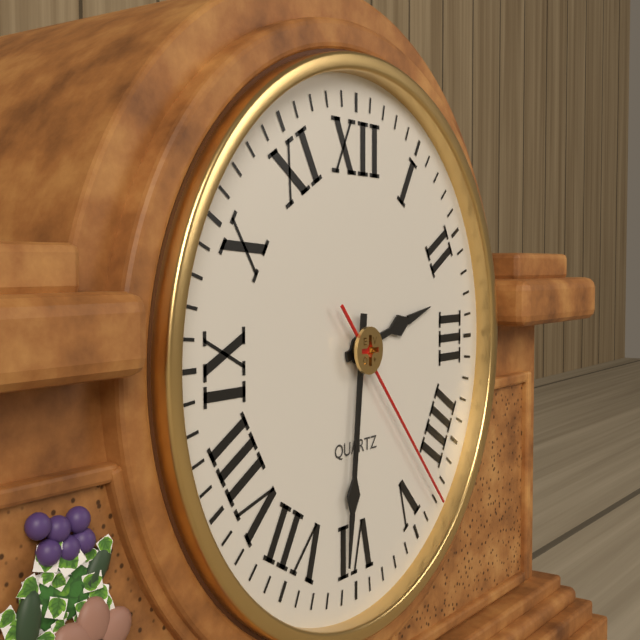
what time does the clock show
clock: 2:31:23
